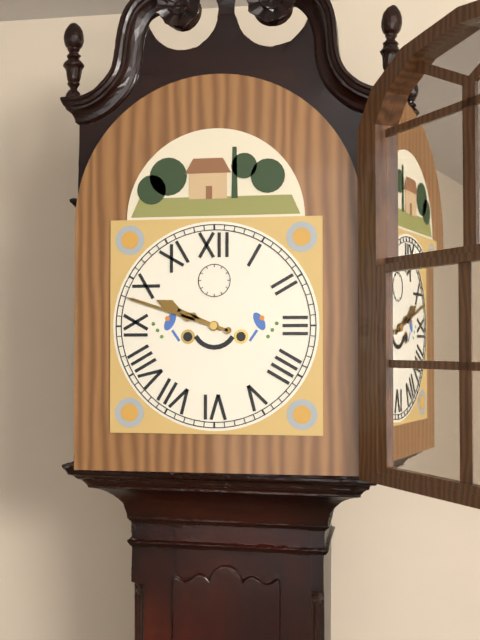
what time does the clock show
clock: 9:48
